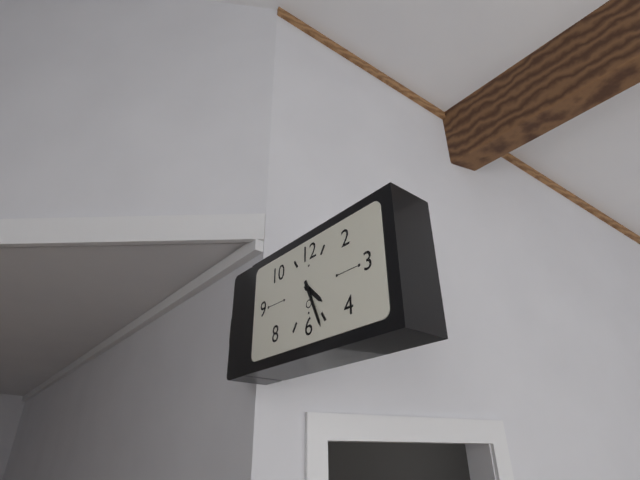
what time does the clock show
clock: 4:26
